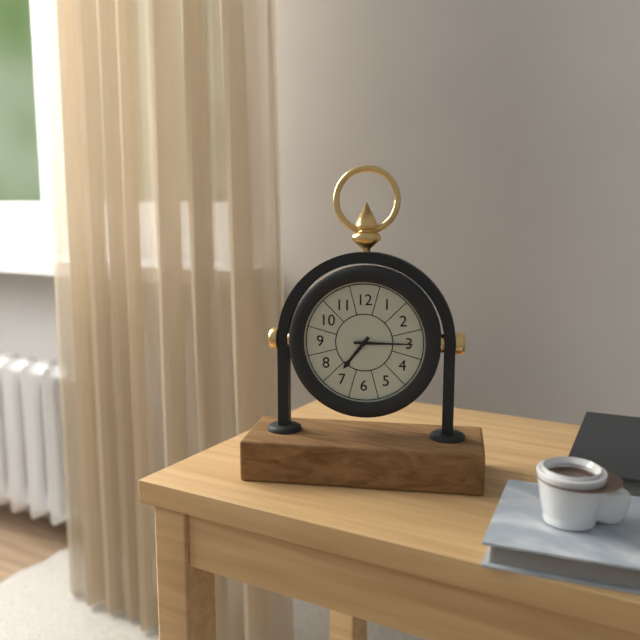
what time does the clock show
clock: 7:15
